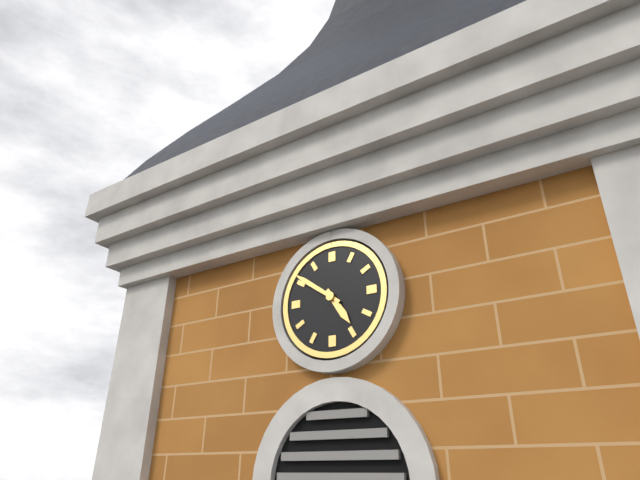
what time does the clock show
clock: 4:51
